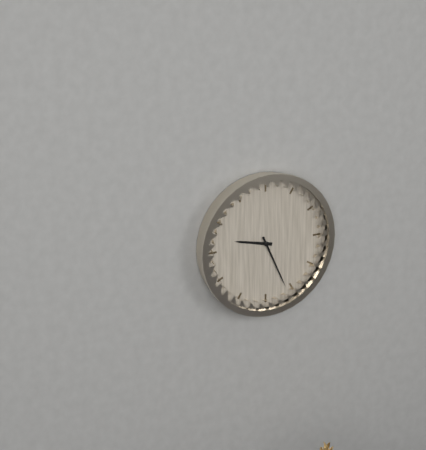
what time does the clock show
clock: 9:26
